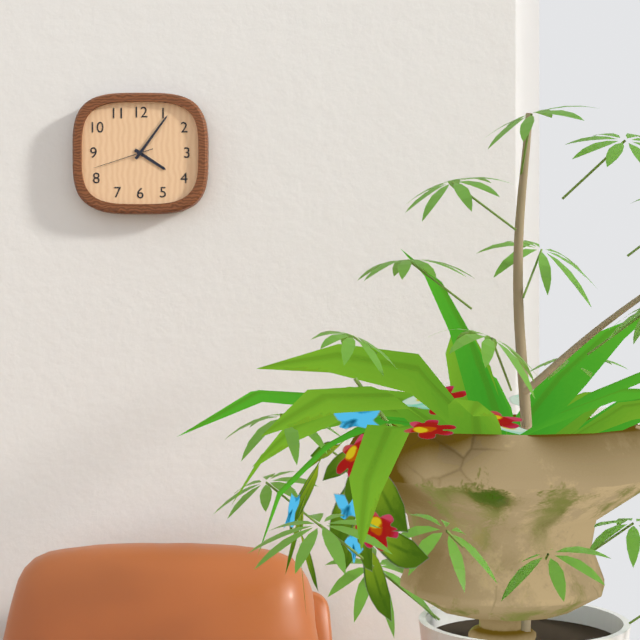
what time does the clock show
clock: 4:06:42
